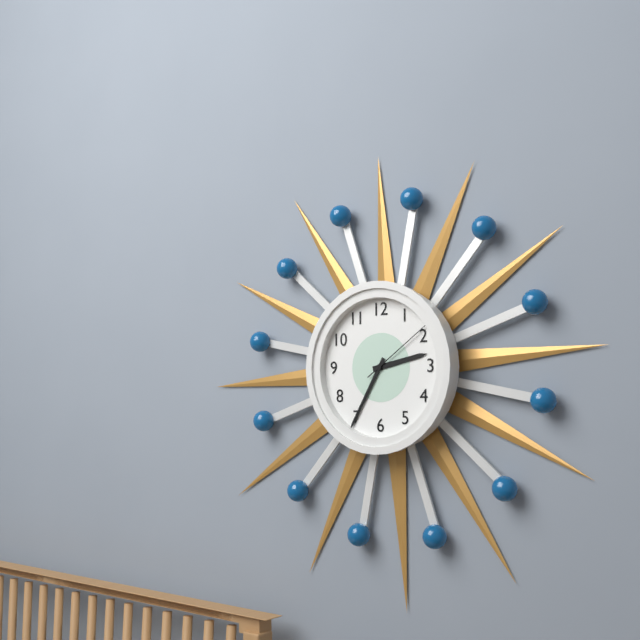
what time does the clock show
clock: 2:35:09
